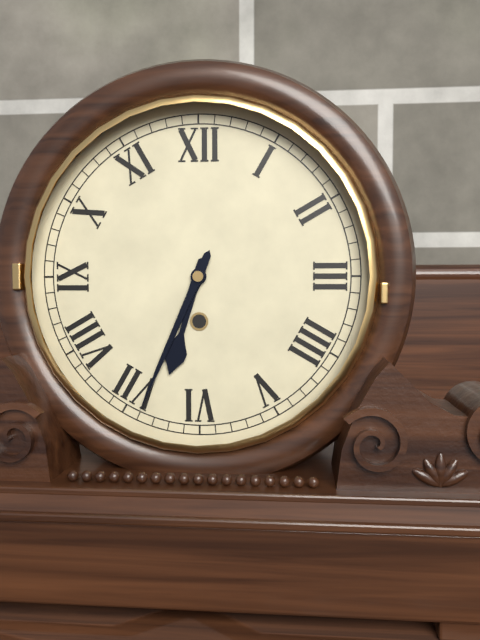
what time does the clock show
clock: 6:34
